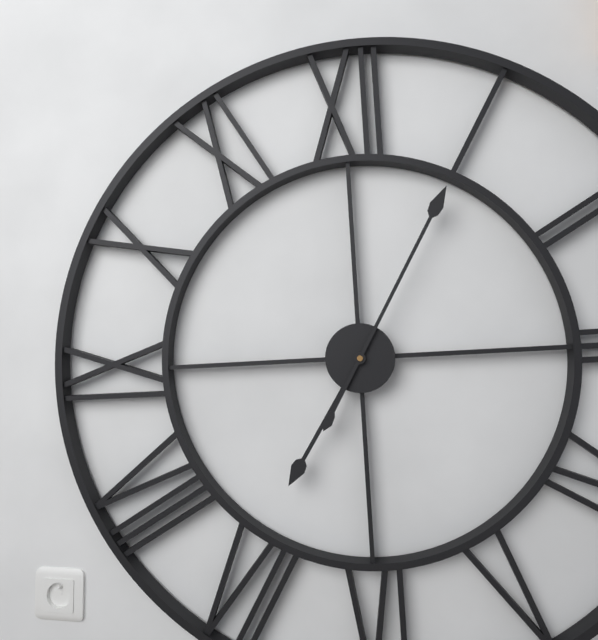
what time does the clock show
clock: 7:05
